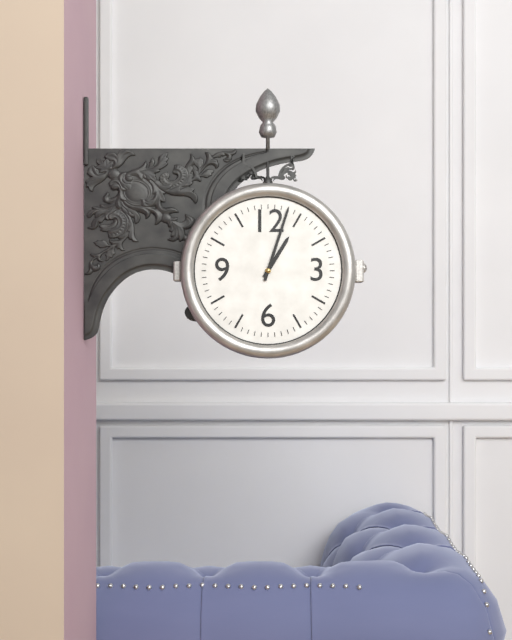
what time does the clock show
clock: 1:03
